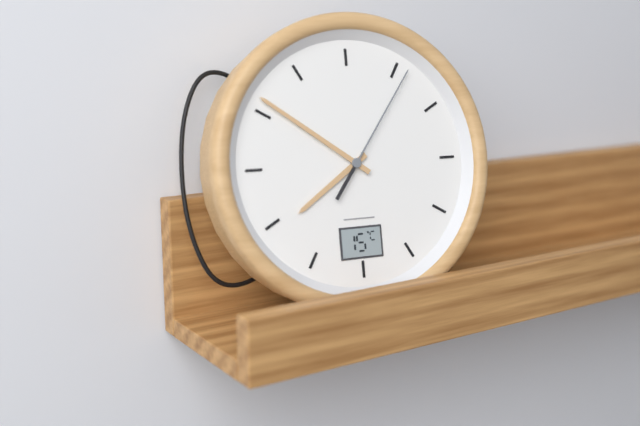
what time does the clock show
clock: 7:51:06
